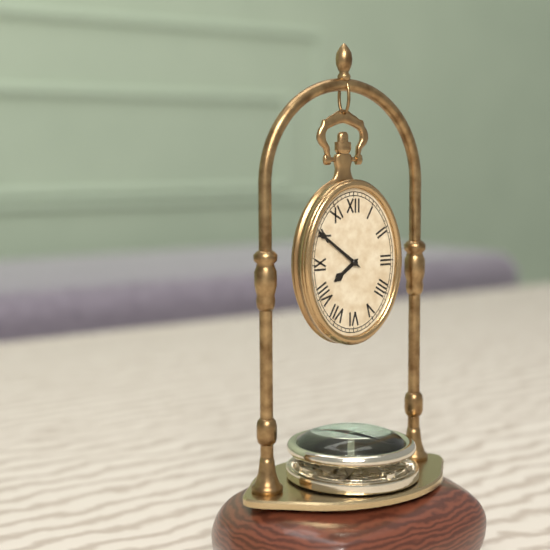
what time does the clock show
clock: 7:51
